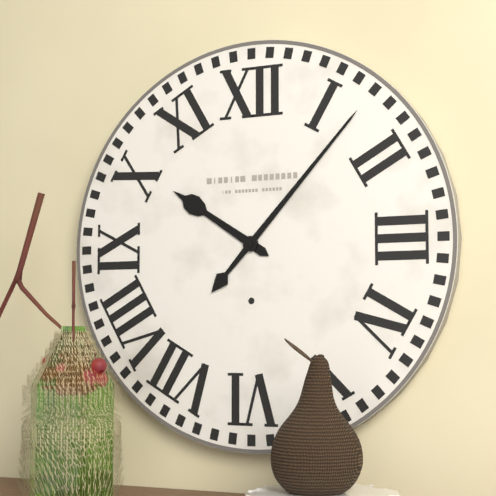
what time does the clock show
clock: 10:07
